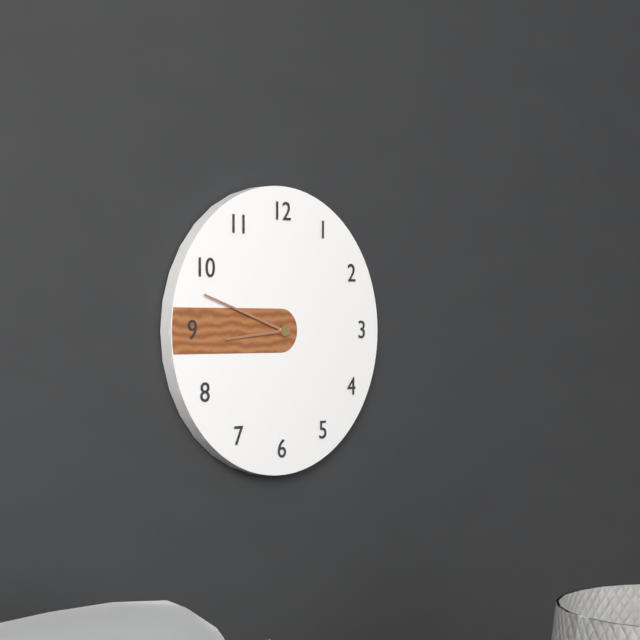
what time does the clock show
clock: 8:48
